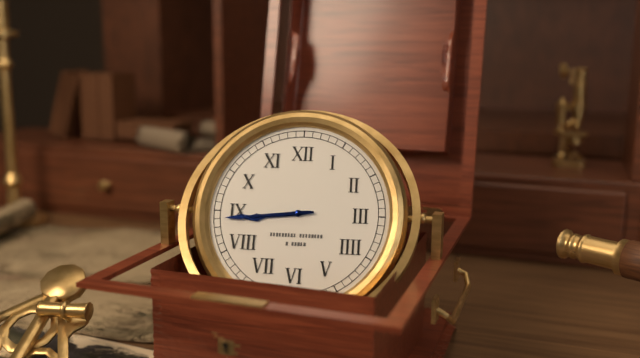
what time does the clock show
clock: 8:44
